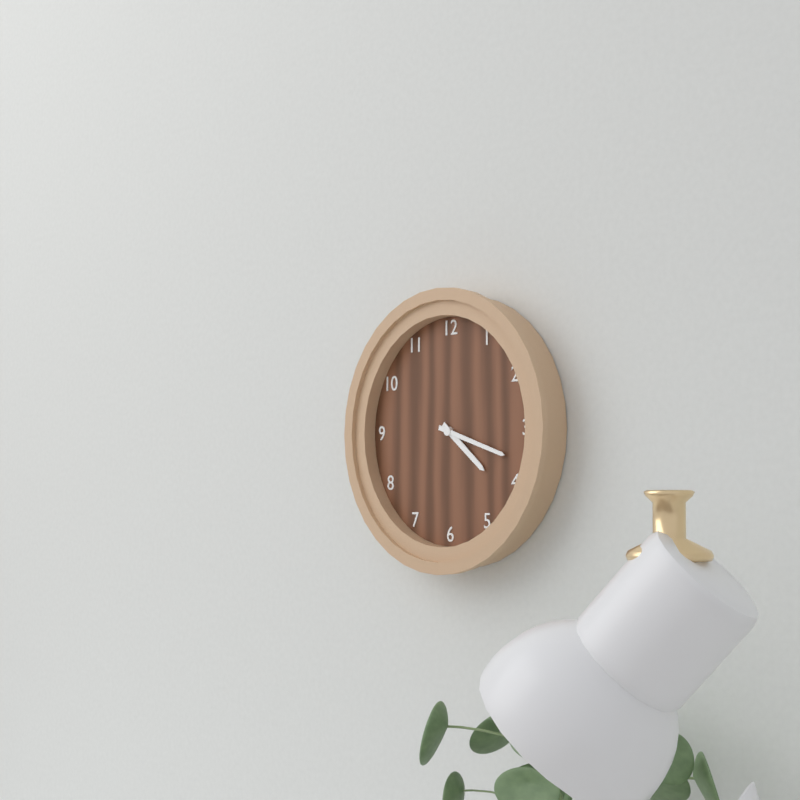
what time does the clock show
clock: 4:18
